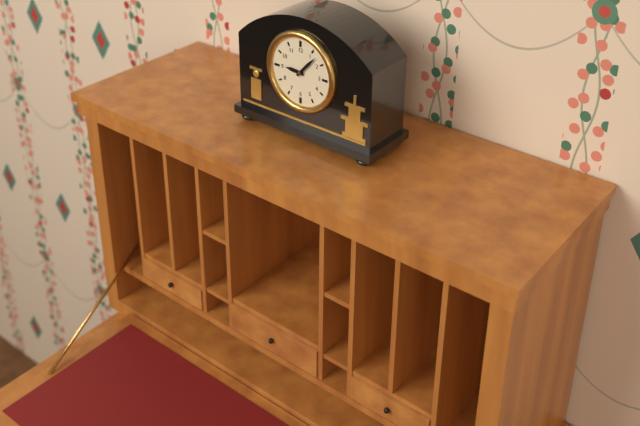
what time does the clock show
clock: 9:07
